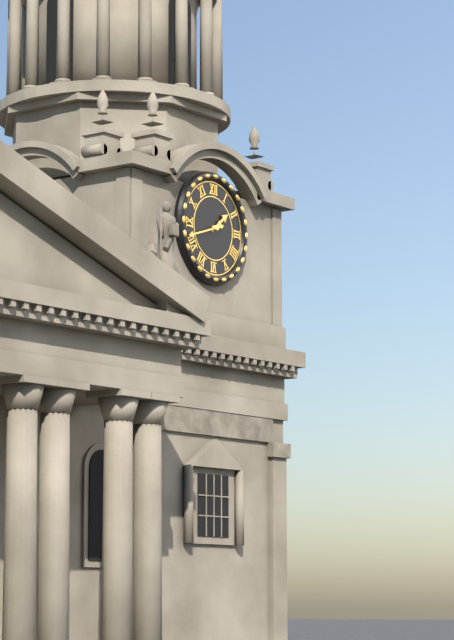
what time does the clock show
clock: 1:42
